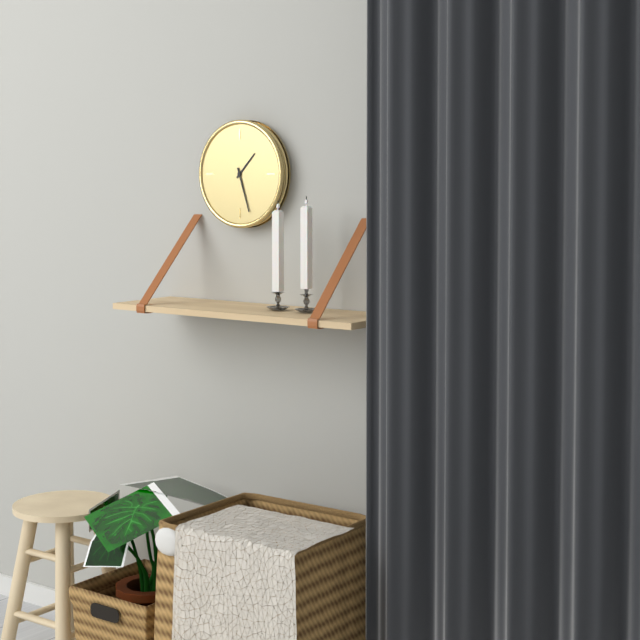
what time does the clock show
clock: 1:27
